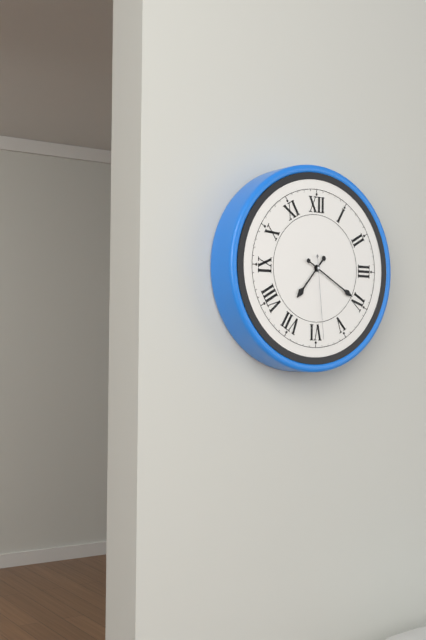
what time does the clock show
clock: 7:20:29
